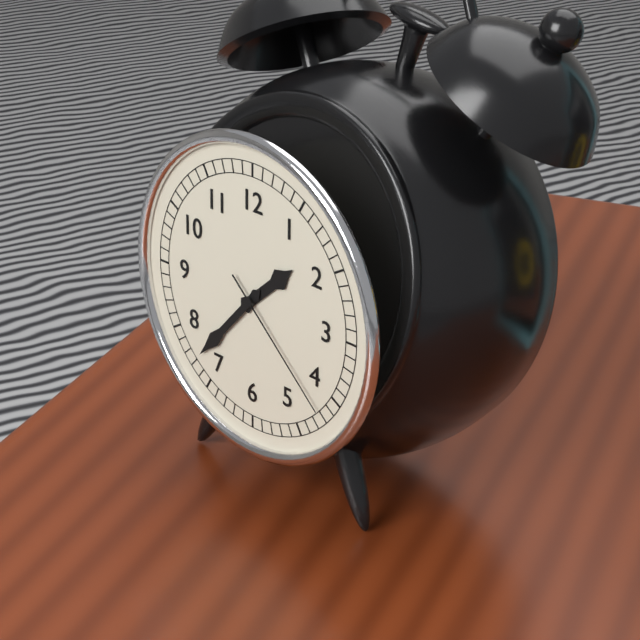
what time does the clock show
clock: 1:37:22
